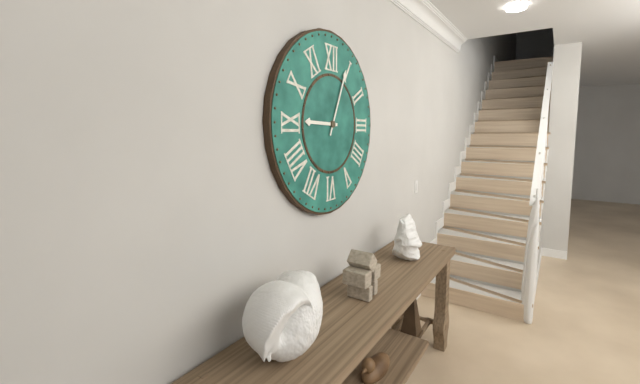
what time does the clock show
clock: 9:04
